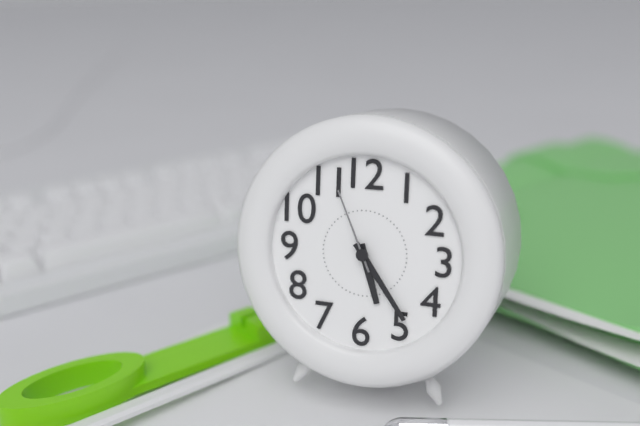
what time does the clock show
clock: 5:24:56
